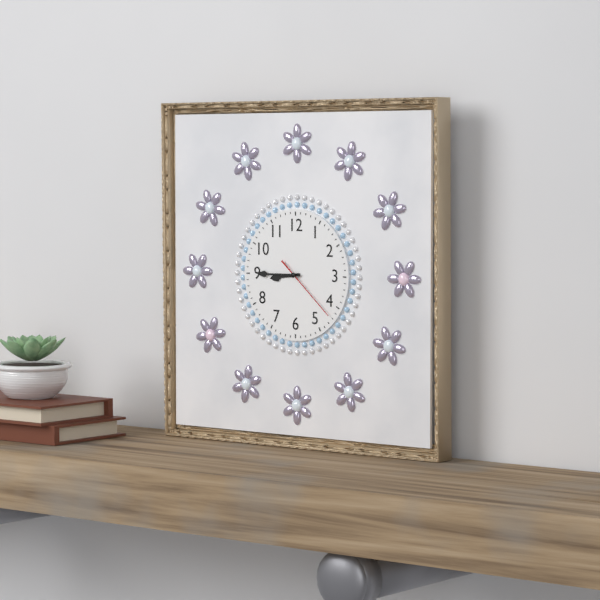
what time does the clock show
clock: 8:45:22
